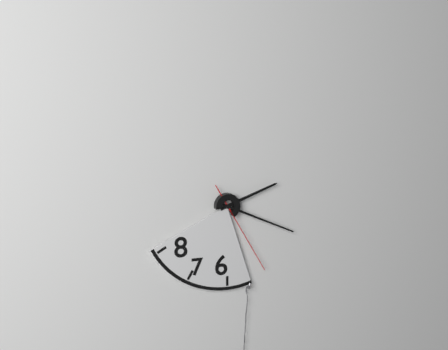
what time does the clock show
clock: 2:19:25
